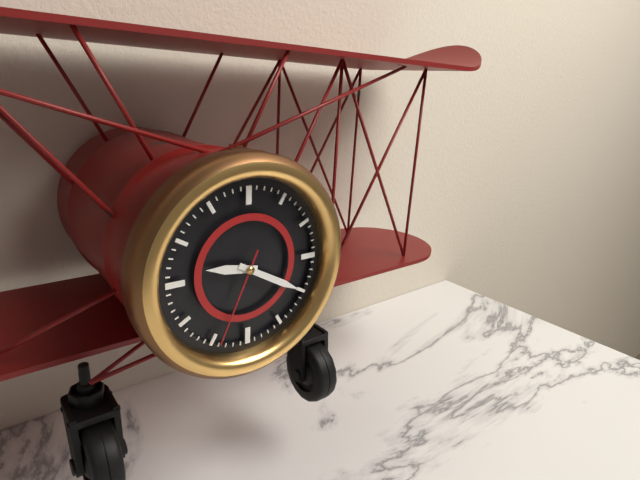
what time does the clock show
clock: 9:20:34
